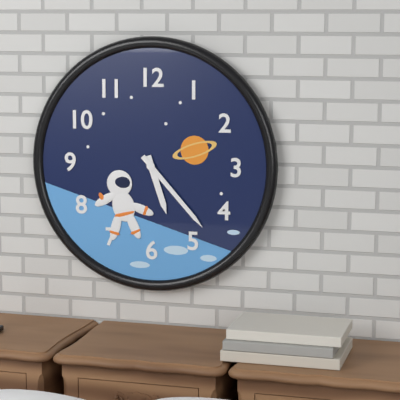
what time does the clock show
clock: 5:23
